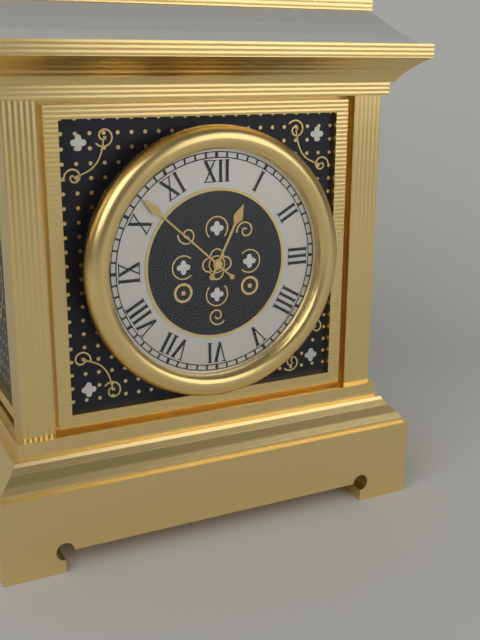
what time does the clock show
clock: 12:52
